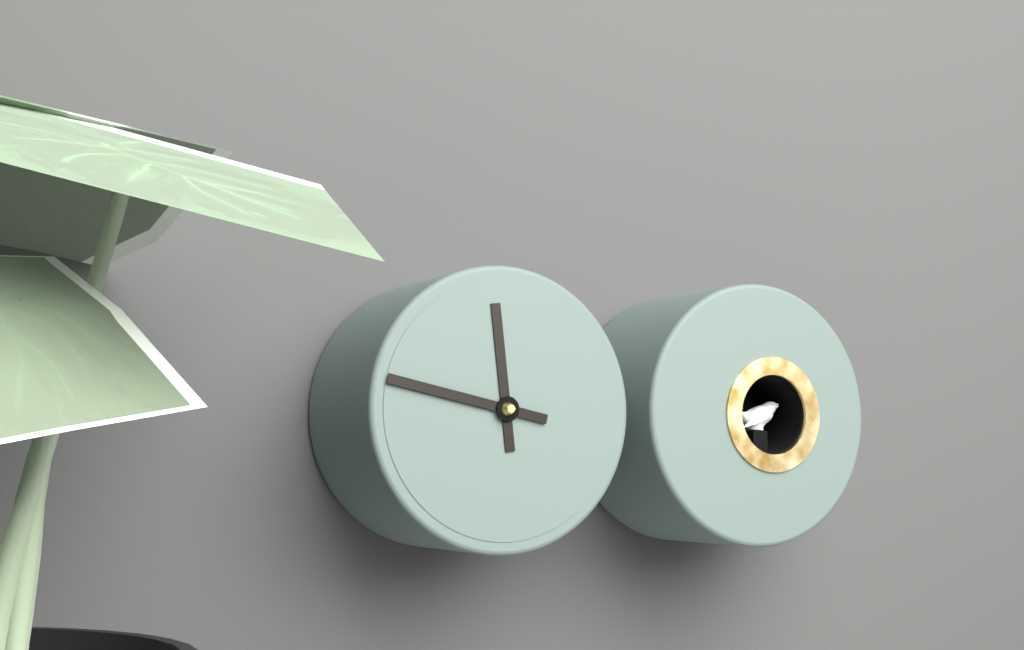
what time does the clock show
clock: 11:47
